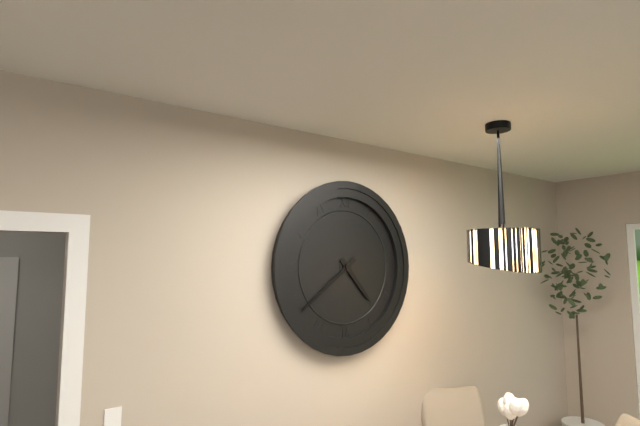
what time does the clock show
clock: 4:39
